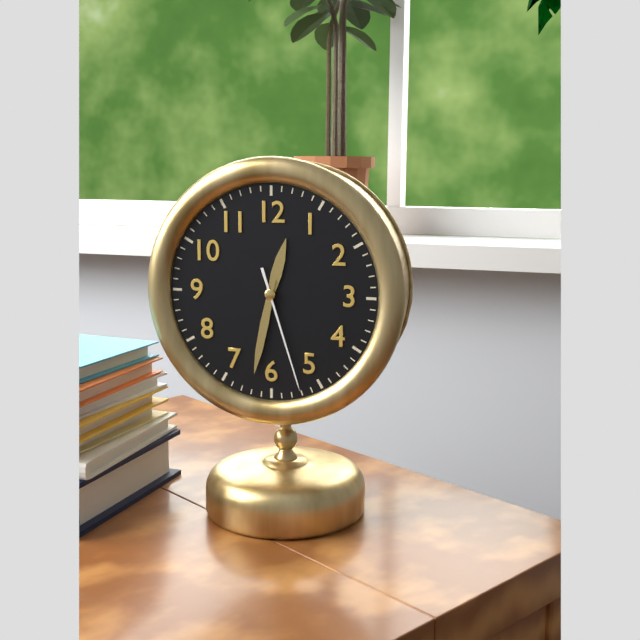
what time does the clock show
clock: 12:32:27
